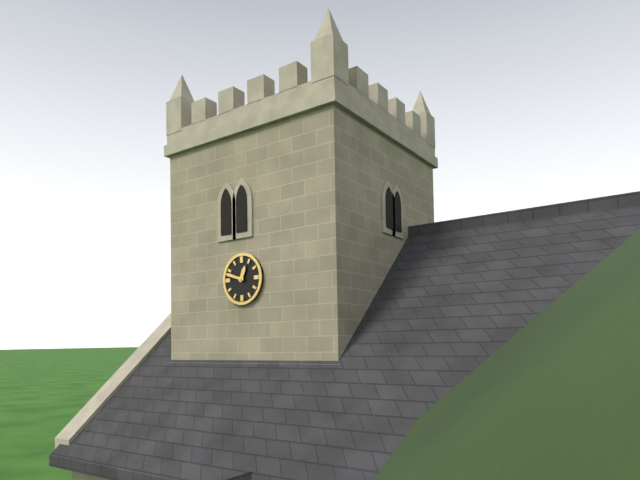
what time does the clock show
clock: 12:48
